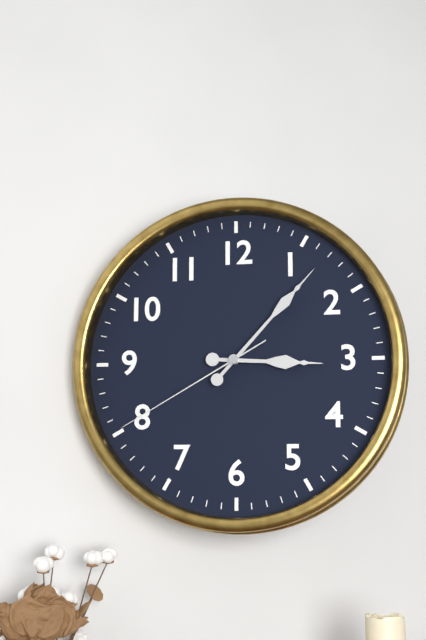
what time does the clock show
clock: 3:07:40
